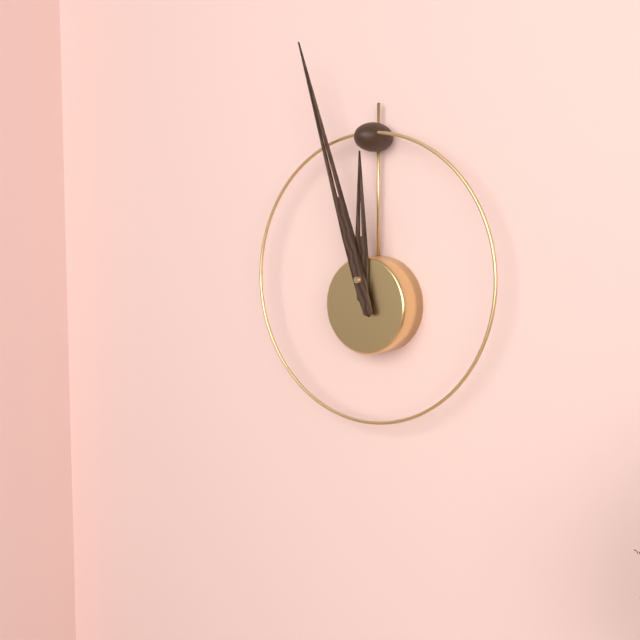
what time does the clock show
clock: 11:57
